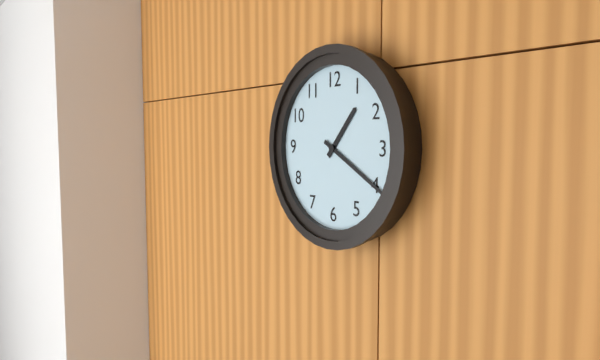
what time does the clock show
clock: 1:20
